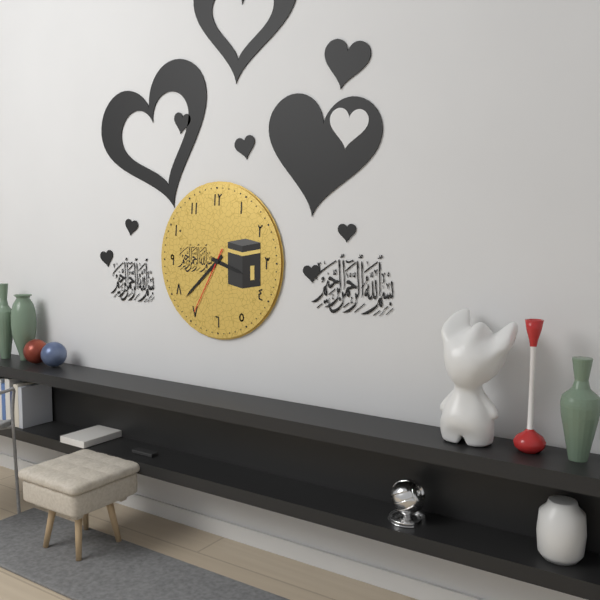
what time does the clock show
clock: 3:38:35
